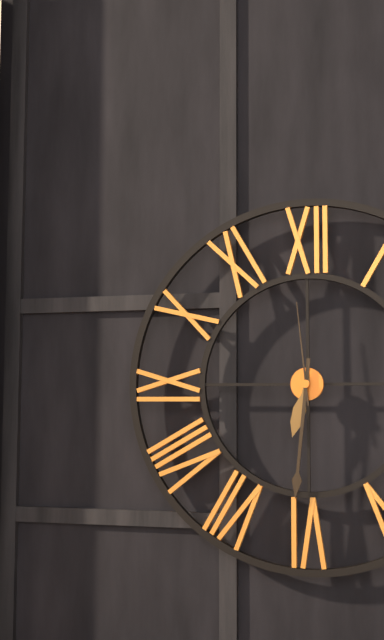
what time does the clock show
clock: 6:31:59
